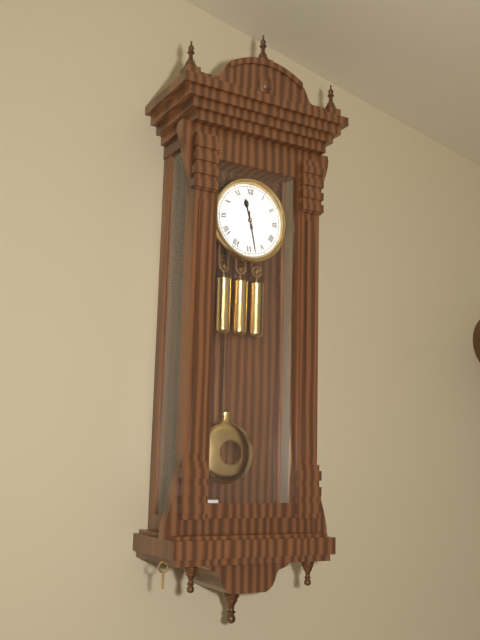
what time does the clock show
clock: 11:28
